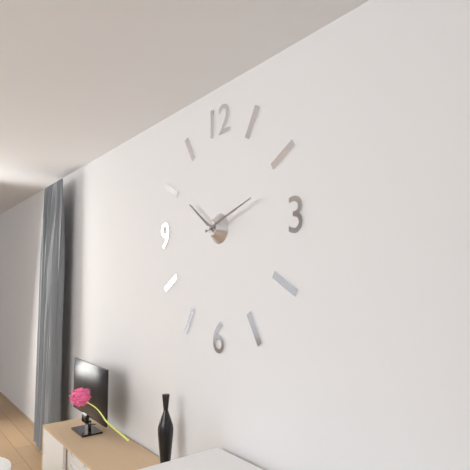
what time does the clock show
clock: 10:12
